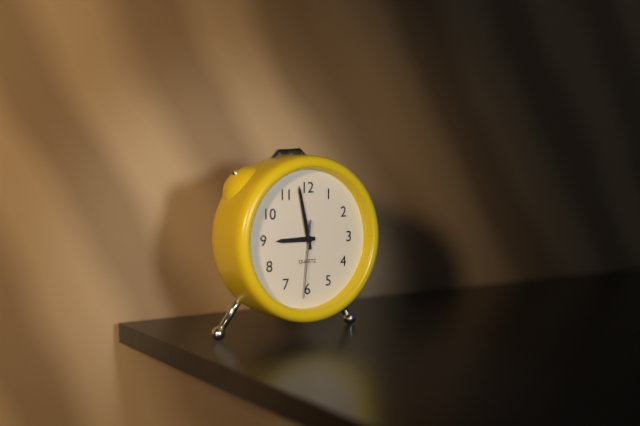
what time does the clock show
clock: 8:58:31
